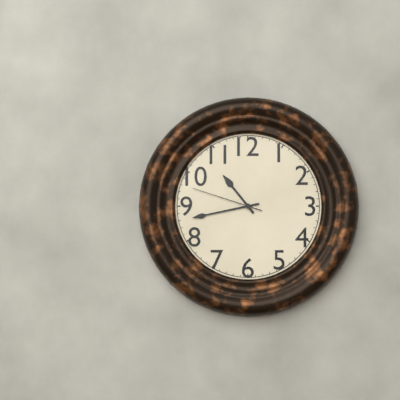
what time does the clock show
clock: 10:43:48
